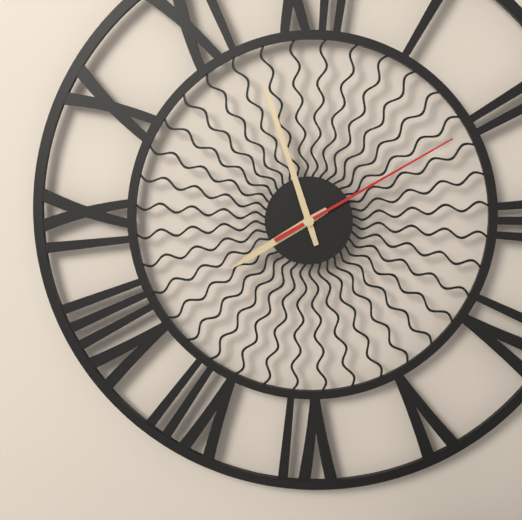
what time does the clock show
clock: 7:57:10
